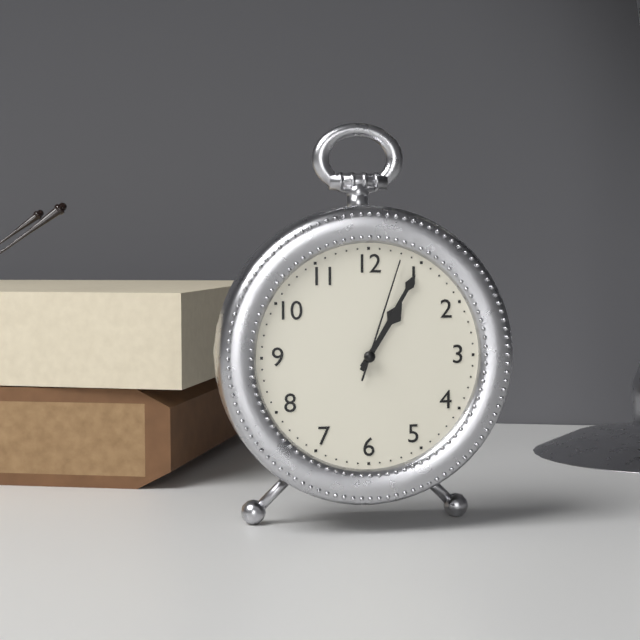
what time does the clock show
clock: 1:05:03
